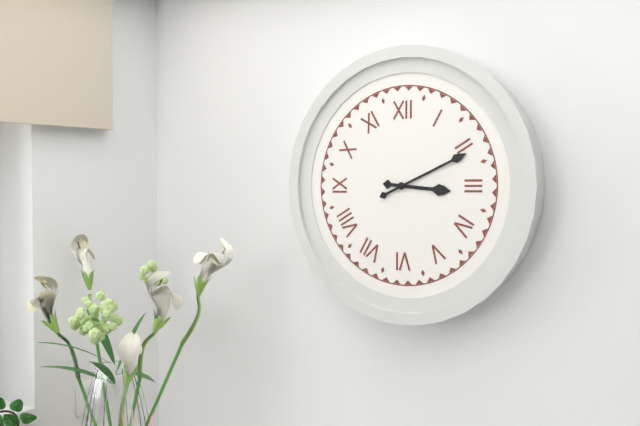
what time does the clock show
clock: 3:11
